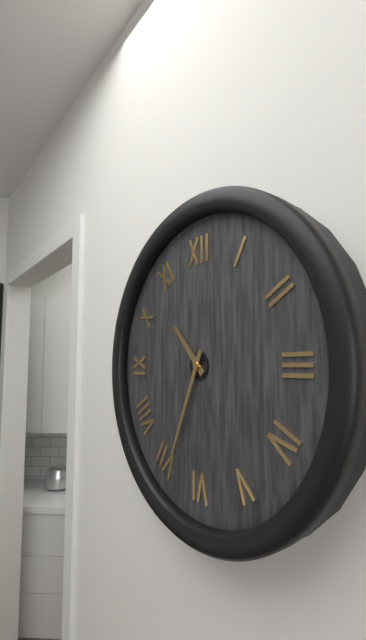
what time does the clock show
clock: 10:34
